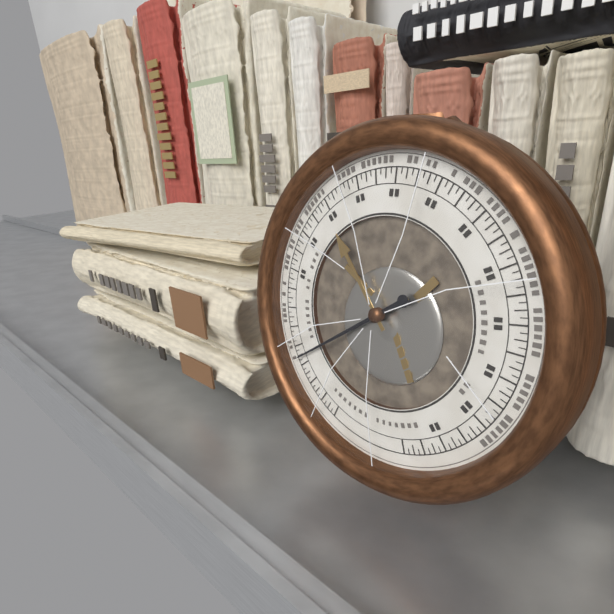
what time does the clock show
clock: 10:39
